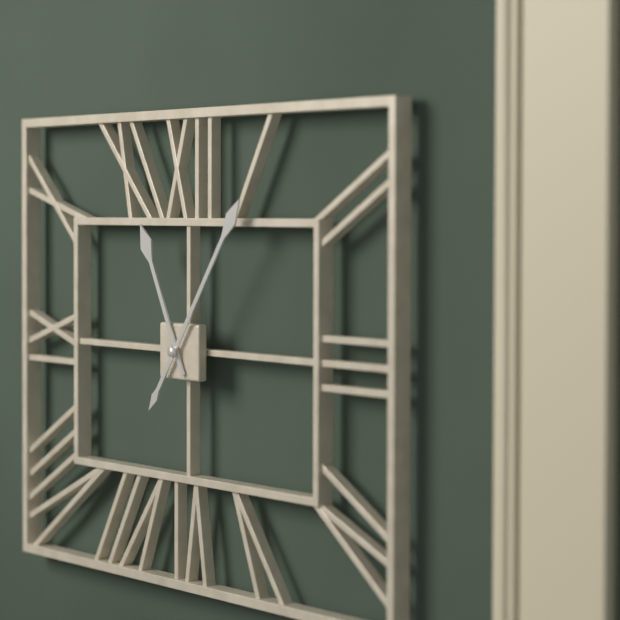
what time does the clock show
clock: 11:06
